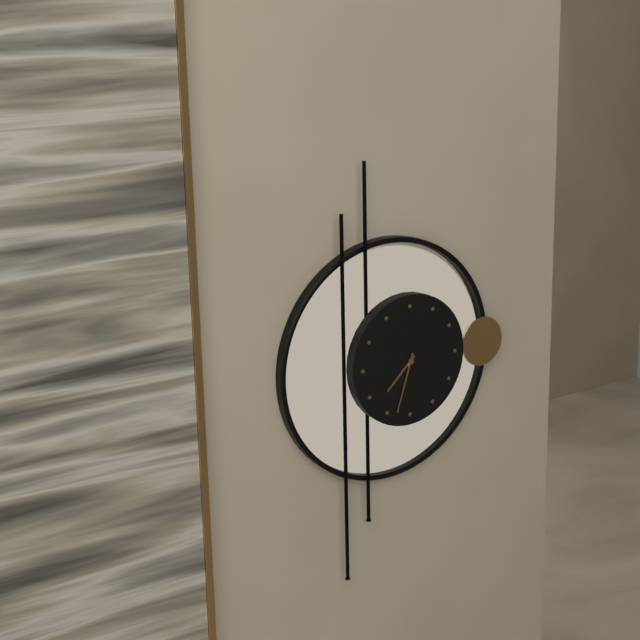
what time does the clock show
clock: 7:33
